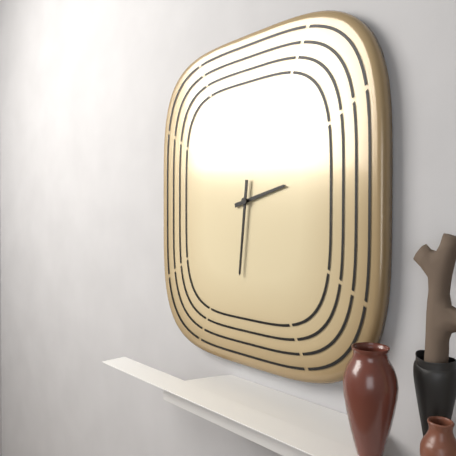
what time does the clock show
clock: 2:31
